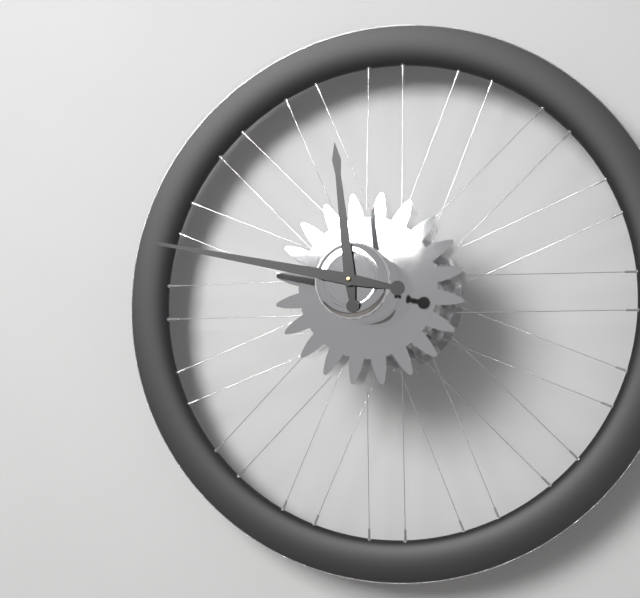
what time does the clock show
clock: 11:47
